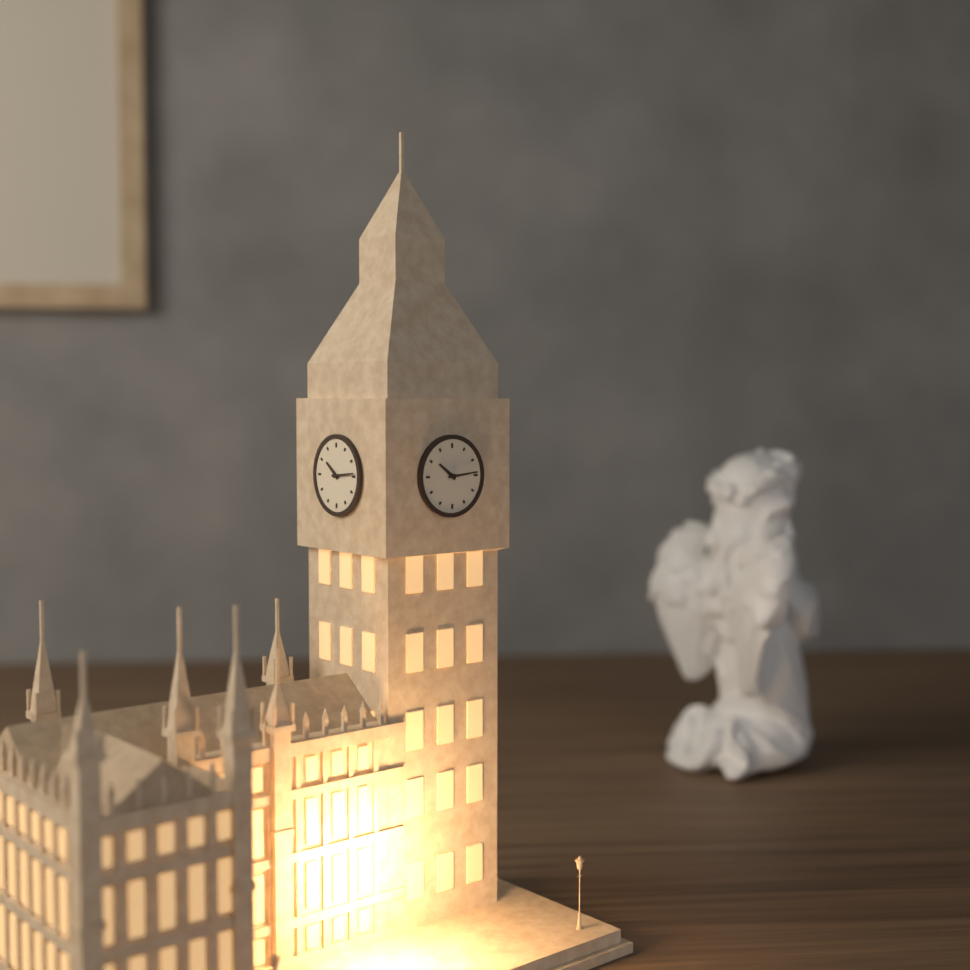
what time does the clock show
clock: 10:14
